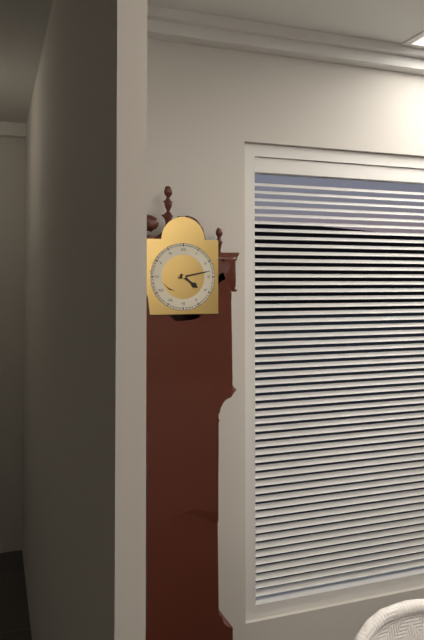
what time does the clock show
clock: 4:13
